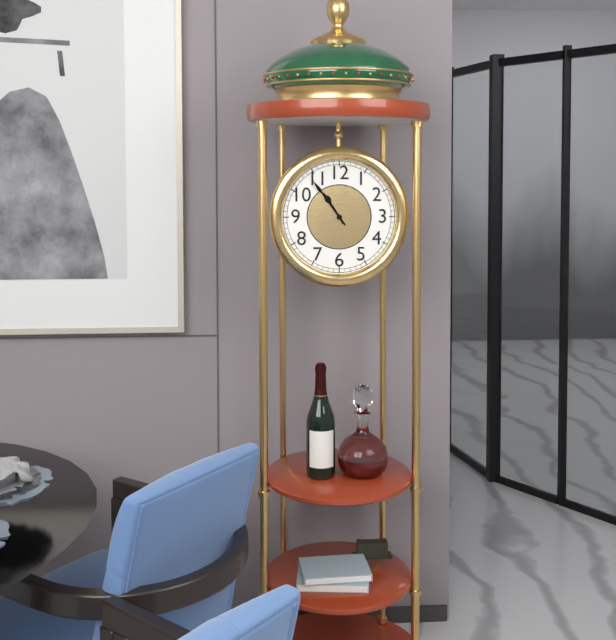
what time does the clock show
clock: 10:54
